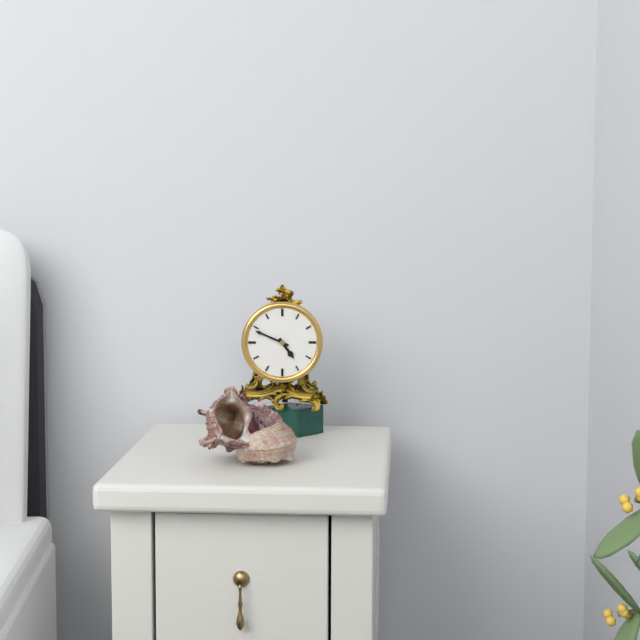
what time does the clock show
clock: 4:49
